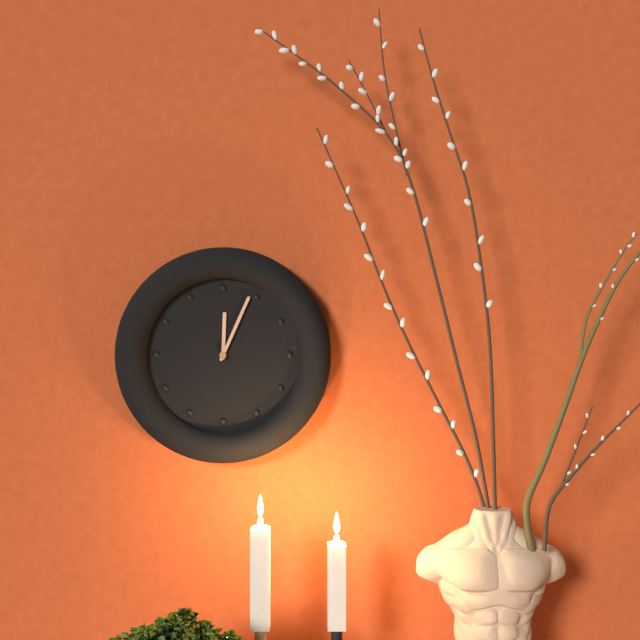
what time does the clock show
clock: 12:04
